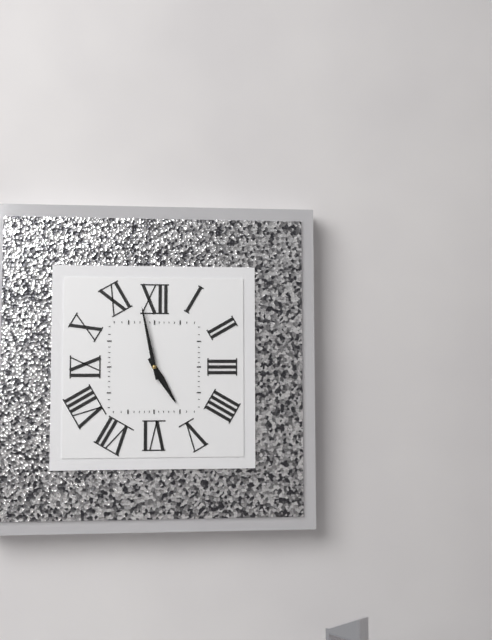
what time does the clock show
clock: 4:58
